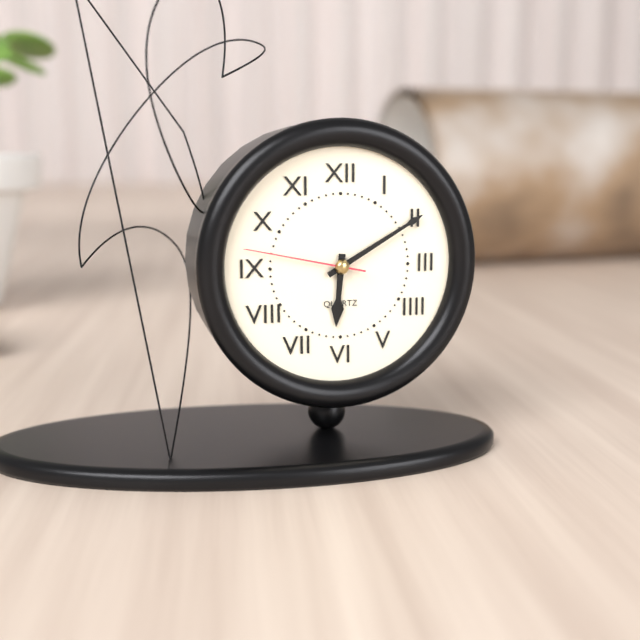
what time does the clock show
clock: 6:10:47
